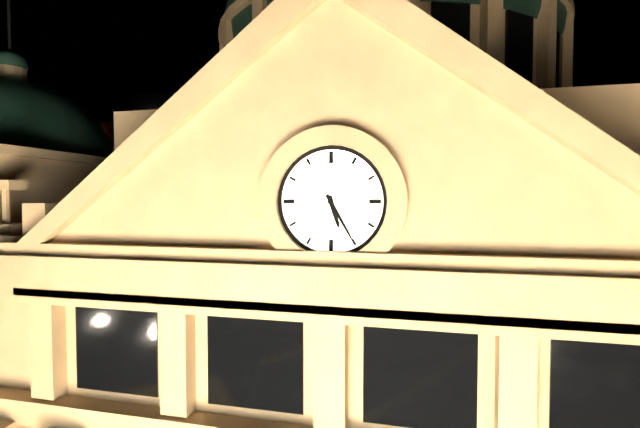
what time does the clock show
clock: 5:25
